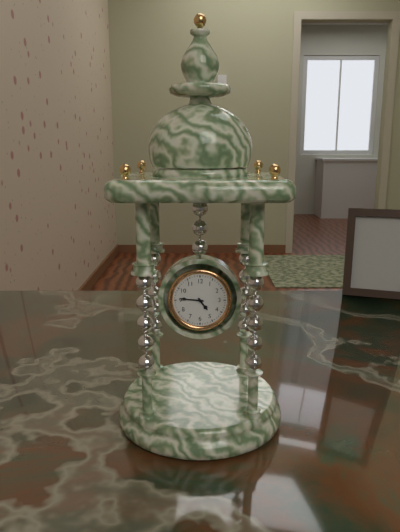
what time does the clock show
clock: 4:46
